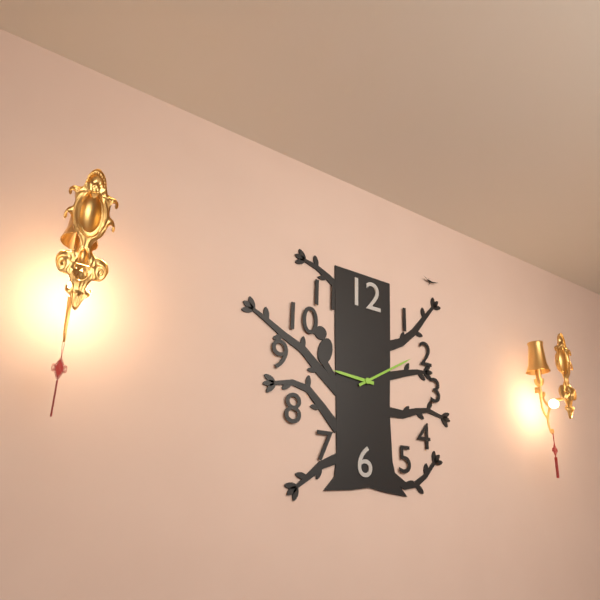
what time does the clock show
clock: 9:10
